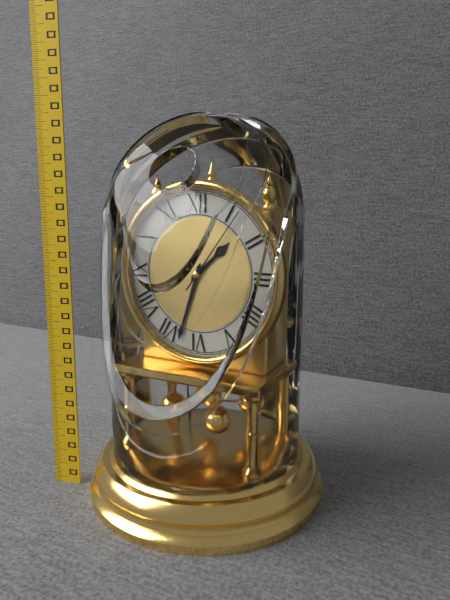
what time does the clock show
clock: 1:33:06
